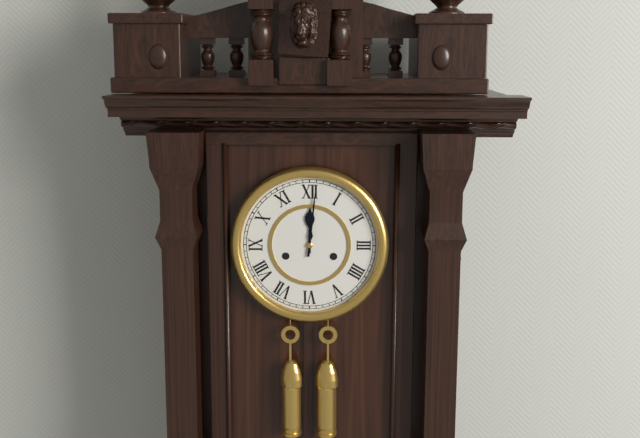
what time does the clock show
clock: 12:01
